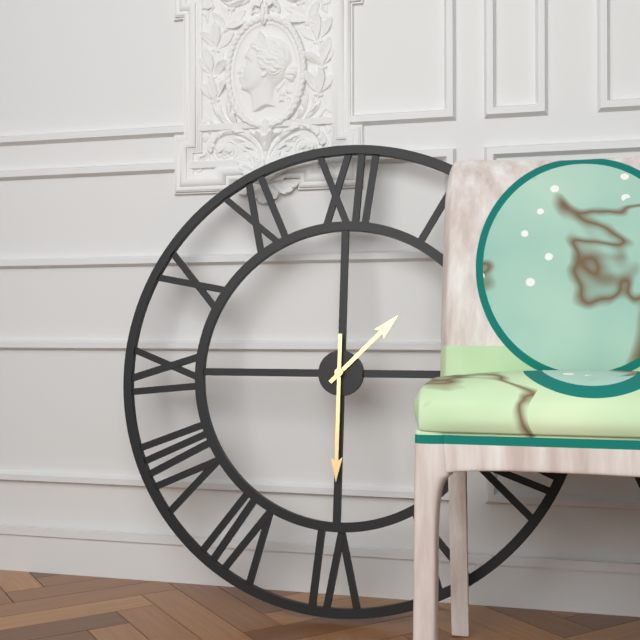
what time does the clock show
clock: 1:30
